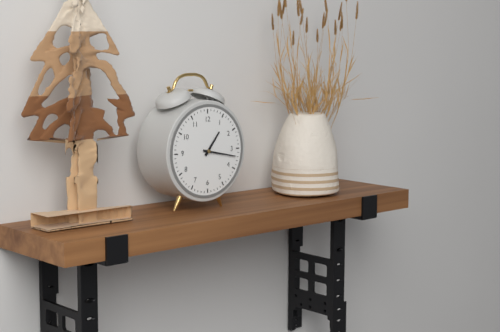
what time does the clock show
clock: 1:17
